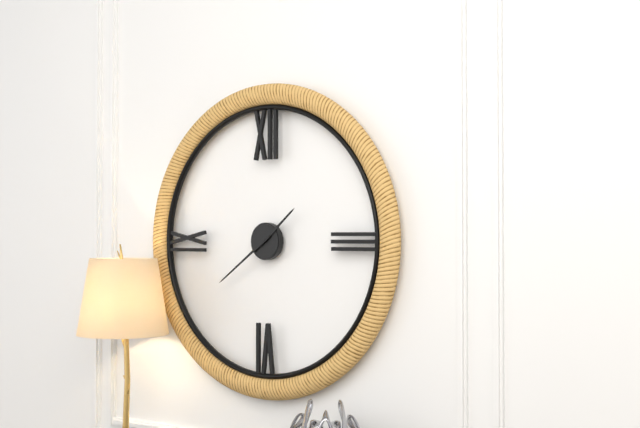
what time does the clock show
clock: 1:39
